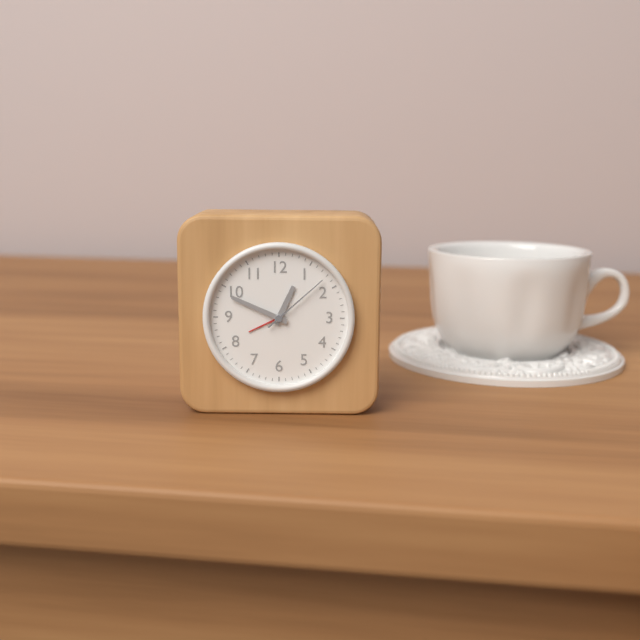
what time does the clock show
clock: 12:49:08
